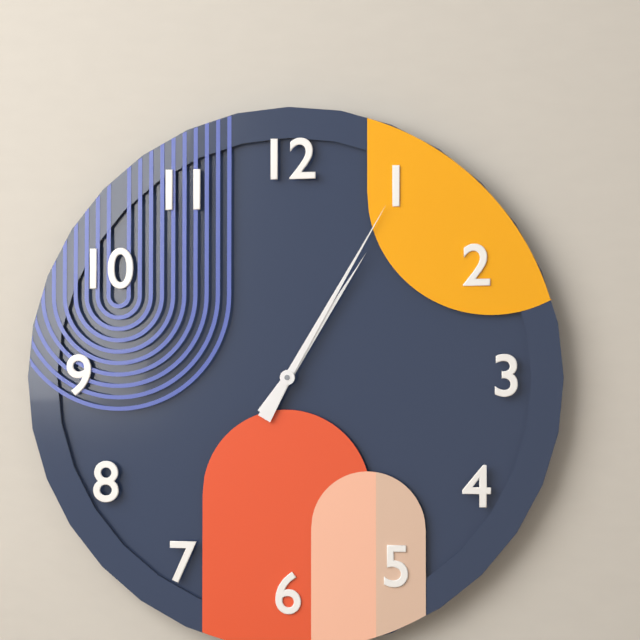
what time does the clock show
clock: 1:05
